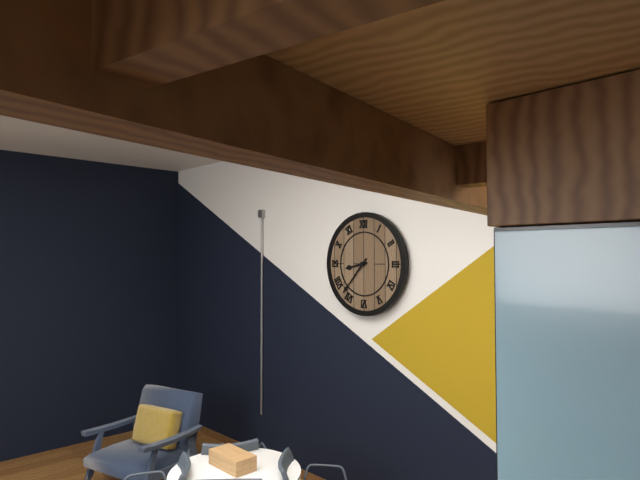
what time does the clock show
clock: 8:37
